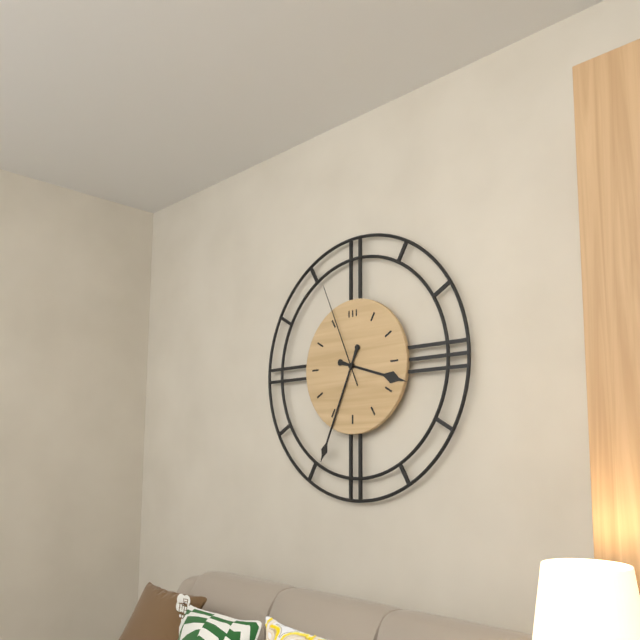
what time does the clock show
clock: 3:34:56
